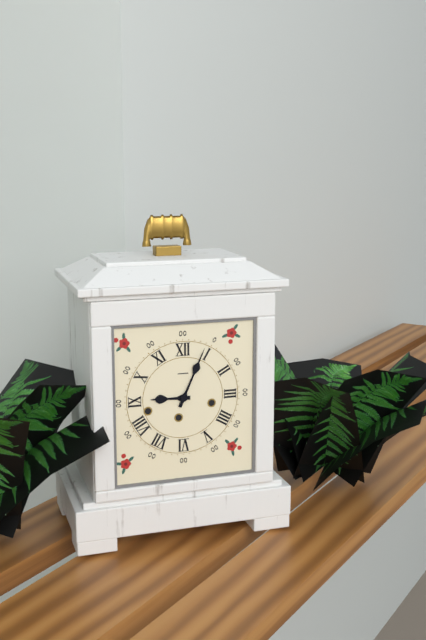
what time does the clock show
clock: 9:04
